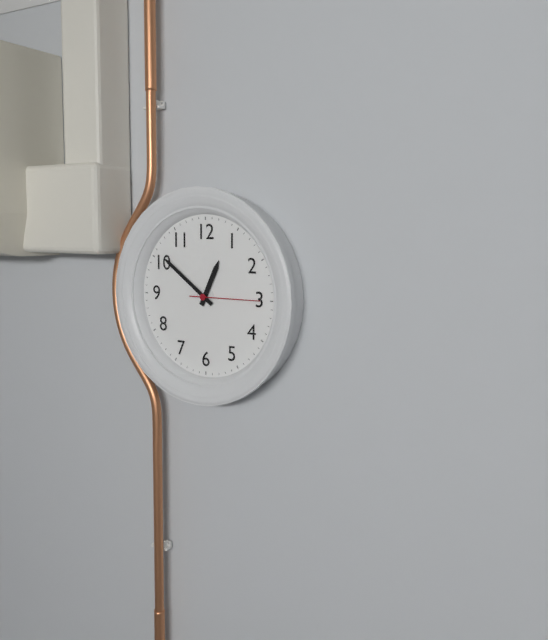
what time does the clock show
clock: 12:51:15
